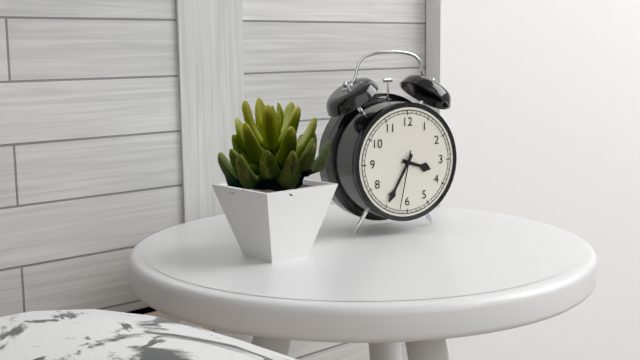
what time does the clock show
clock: 3:35:32
